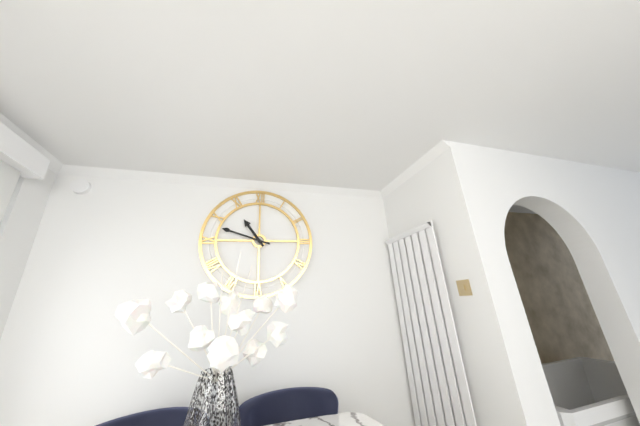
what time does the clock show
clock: 10:48
